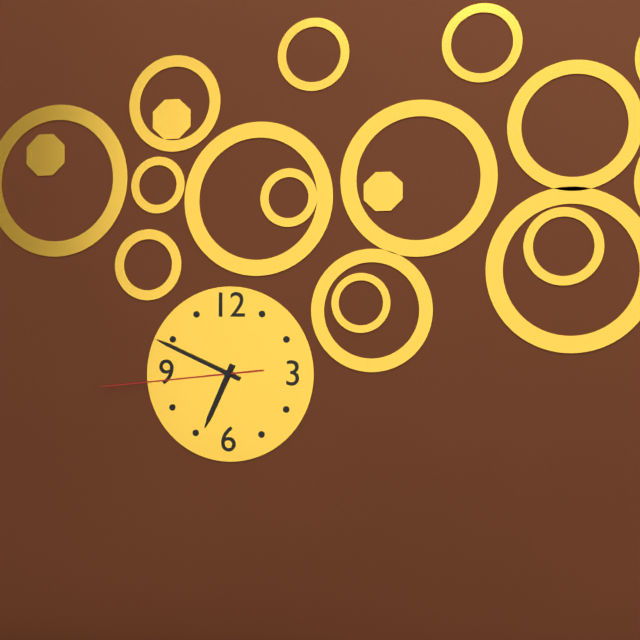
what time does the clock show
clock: 6:49:44
